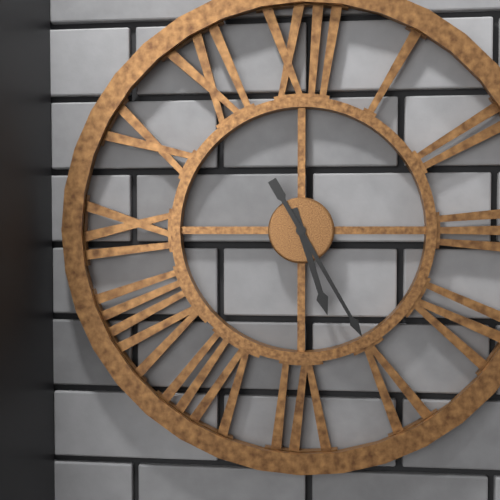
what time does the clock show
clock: 5:25
